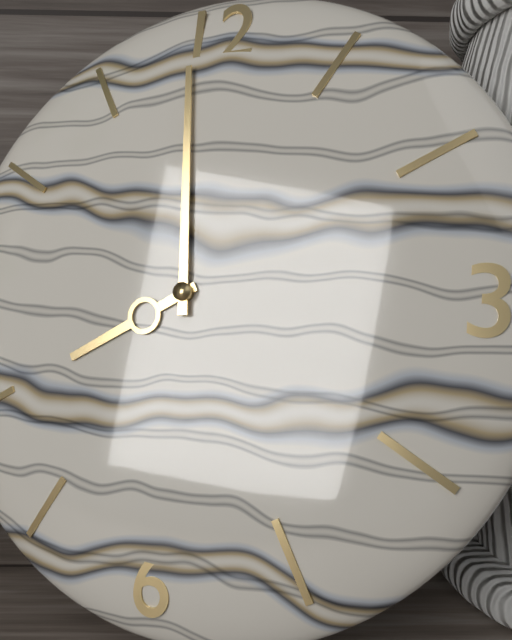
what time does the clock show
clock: 7:59
